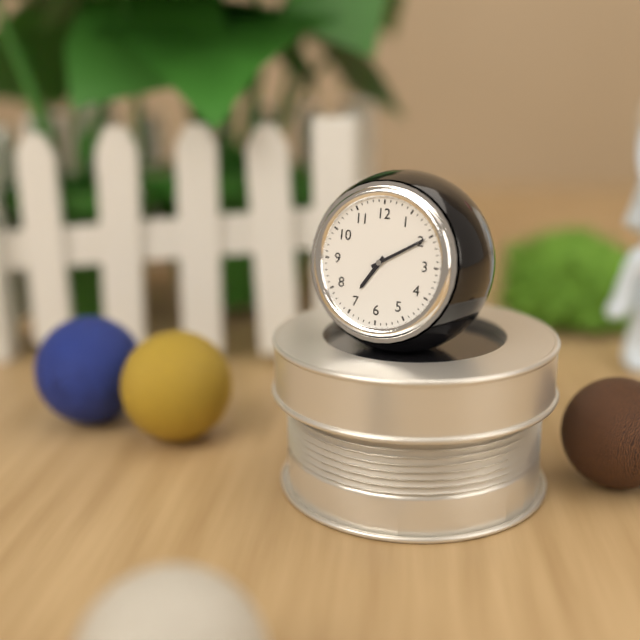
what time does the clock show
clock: 7:10
